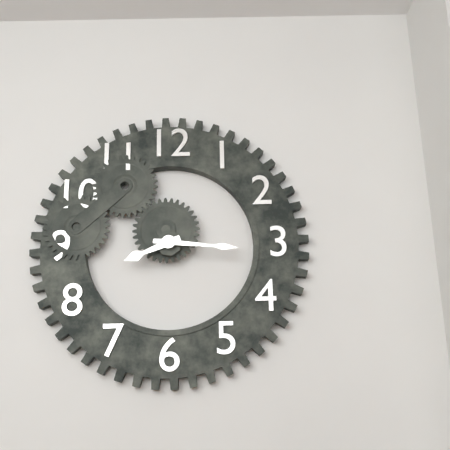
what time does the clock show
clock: 8:16
